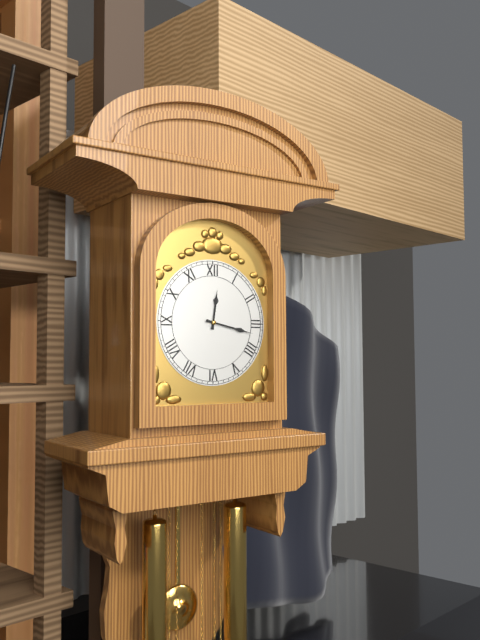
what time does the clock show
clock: 12:17
